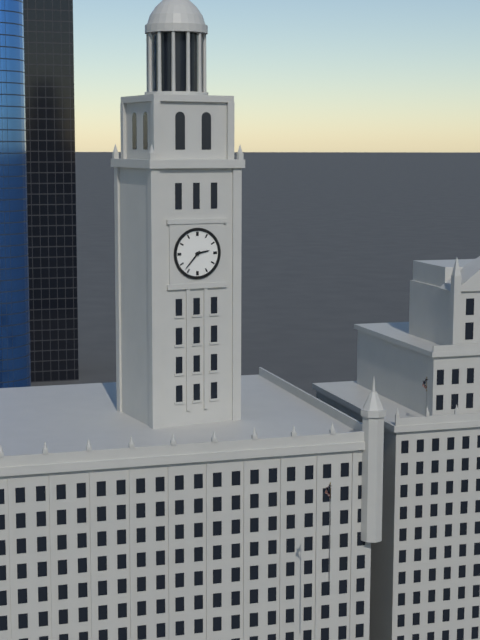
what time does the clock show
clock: 2:37
